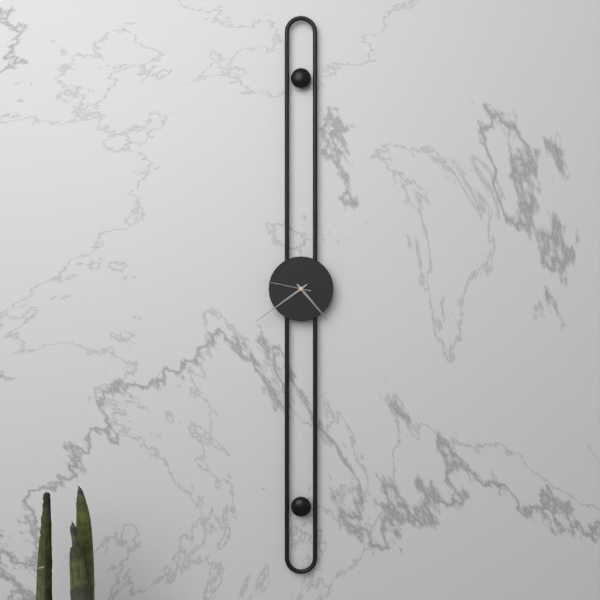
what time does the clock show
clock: 4:39
